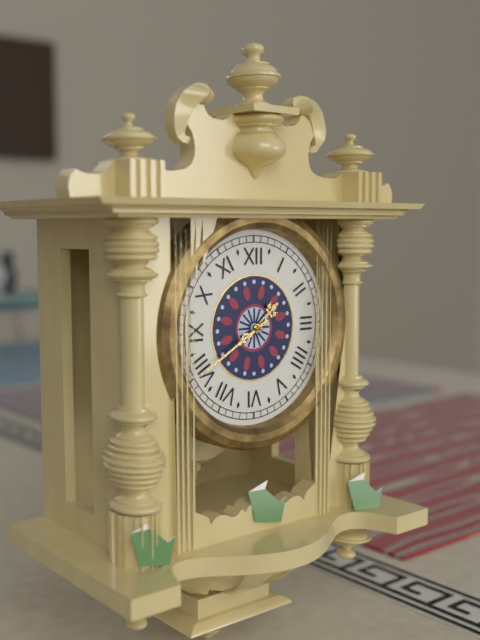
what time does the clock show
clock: 1:40
